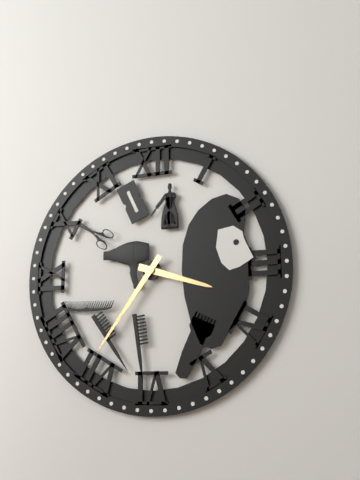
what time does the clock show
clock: 3:36
